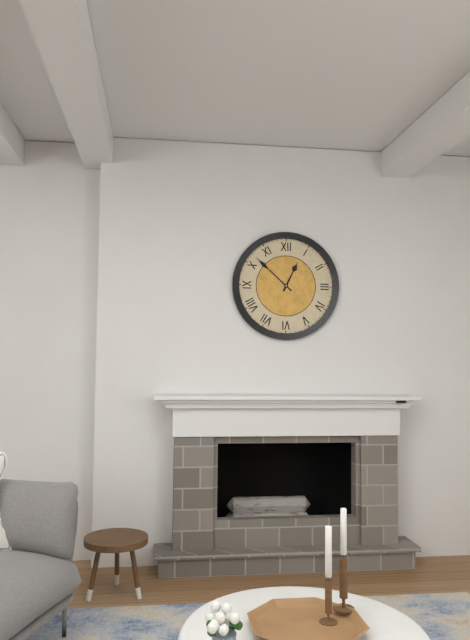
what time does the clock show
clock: 12:52
